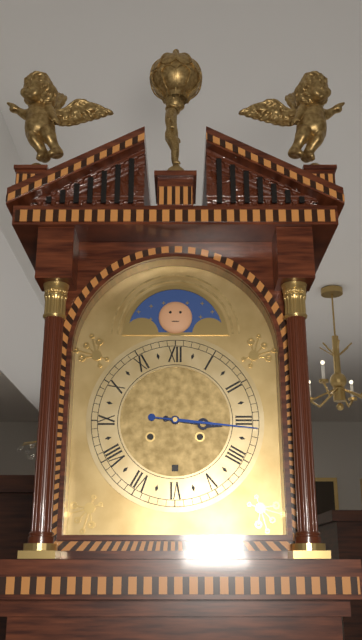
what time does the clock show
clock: 3:16
